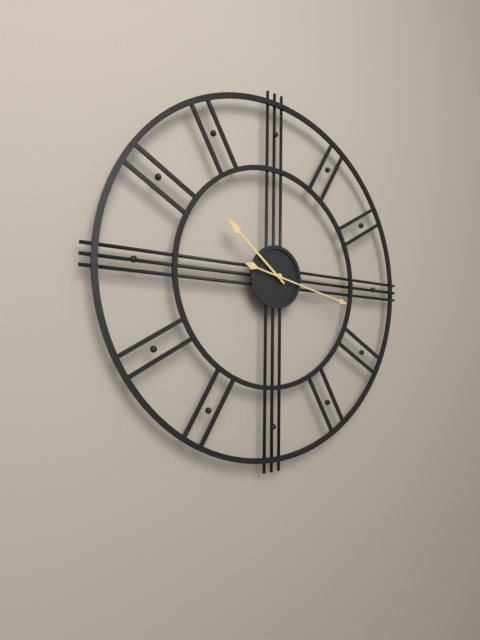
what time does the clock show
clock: 10:17
